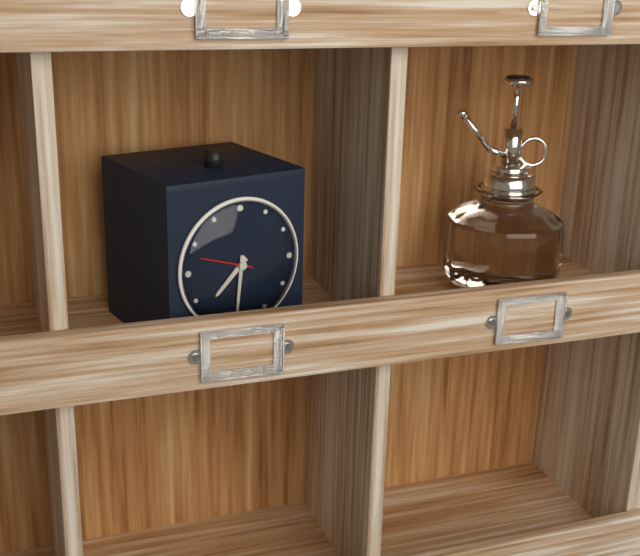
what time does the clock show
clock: 7:31:48
